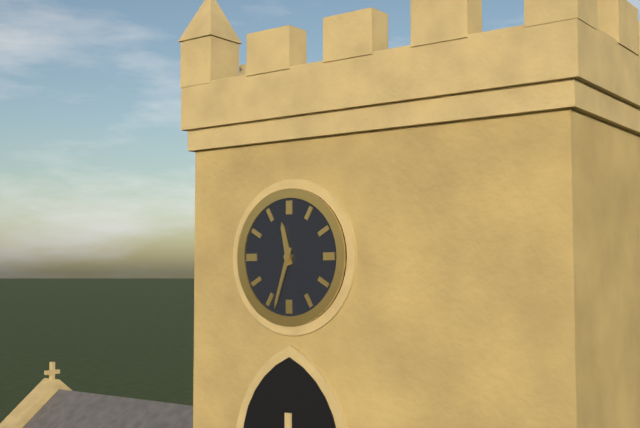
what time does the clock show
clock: 11:33
